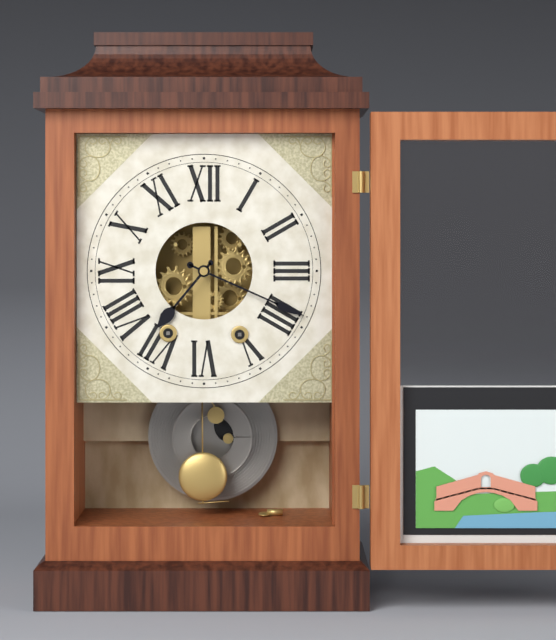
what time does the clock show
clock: 7:19
